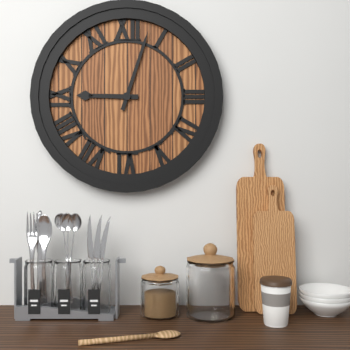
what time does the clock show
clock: 9:03
